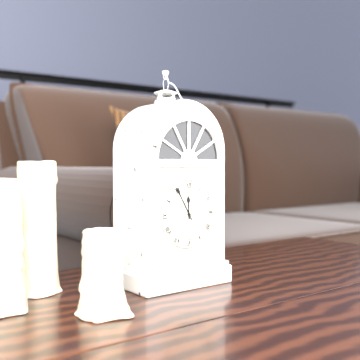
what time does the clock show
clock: 11:55
